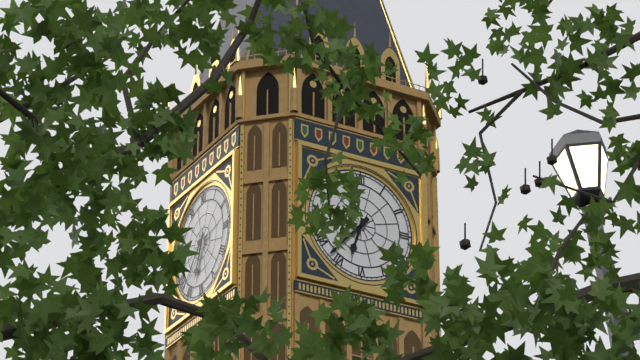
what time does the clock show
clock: 6:37
